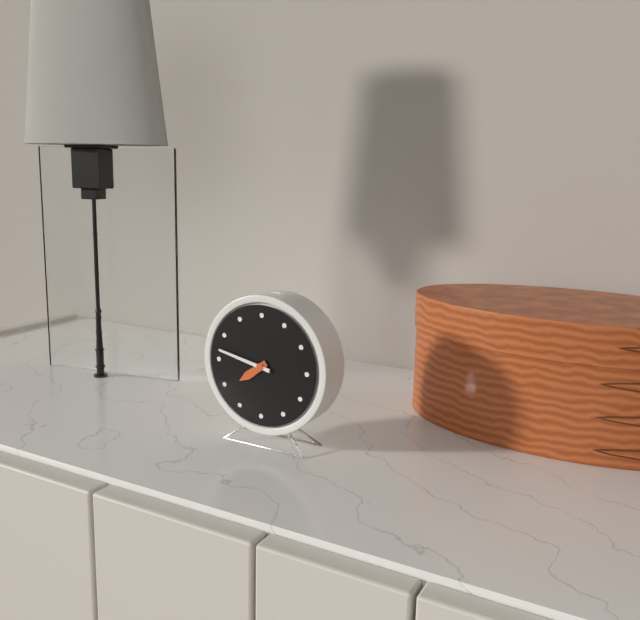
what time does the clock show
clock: 7:47
